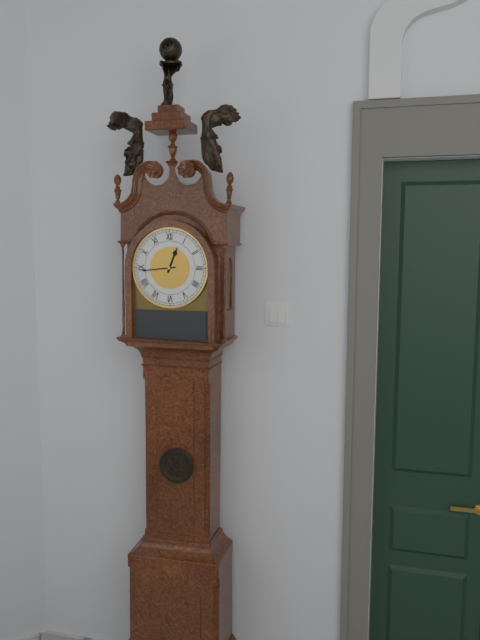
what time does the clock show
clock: 12:44
